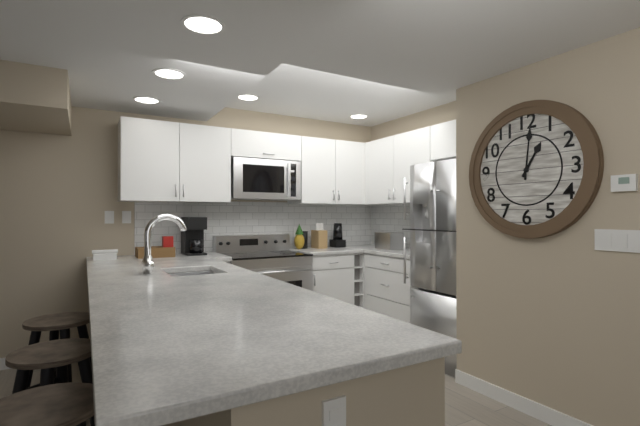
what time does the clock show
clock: 1:01
